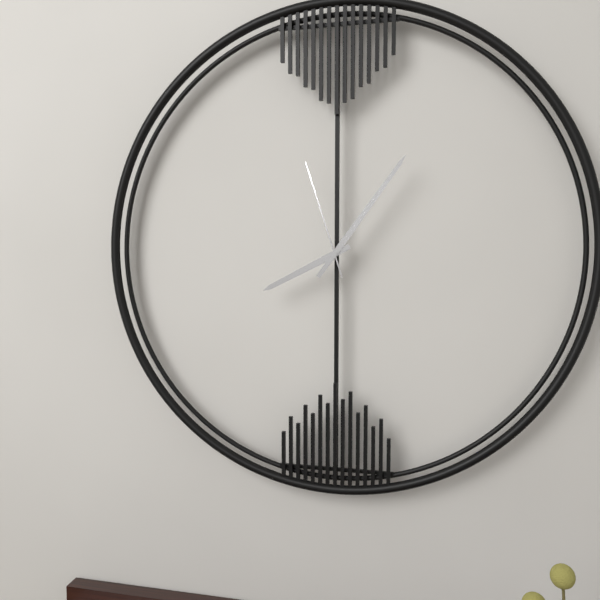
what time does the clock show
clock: 8:06:57
